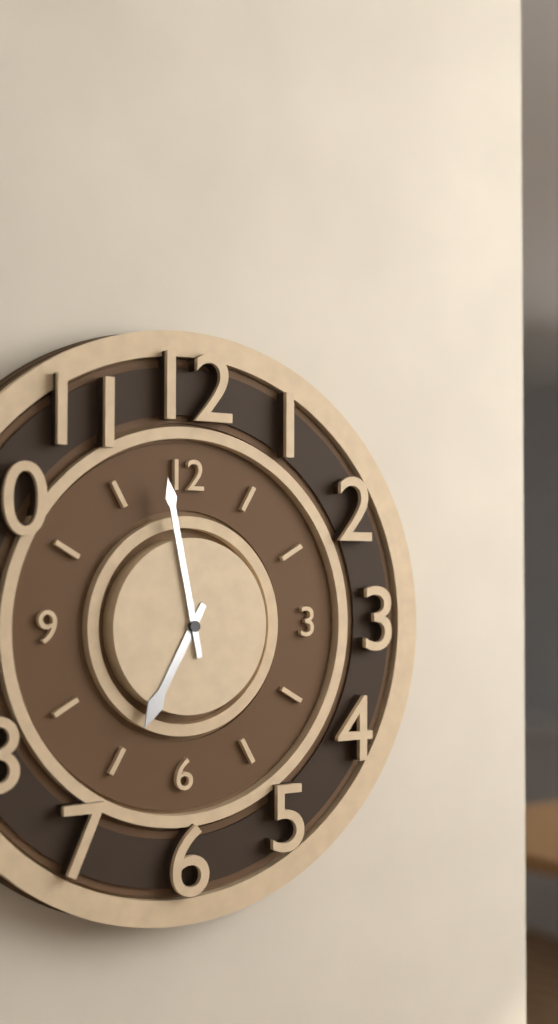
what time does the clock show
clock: 6:58
